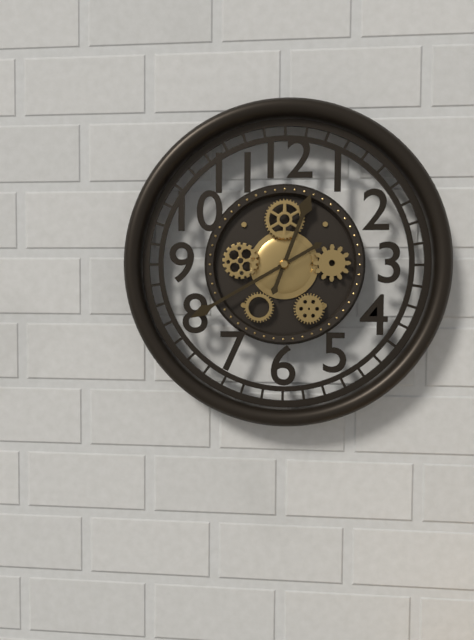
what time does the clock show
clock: 12:40
